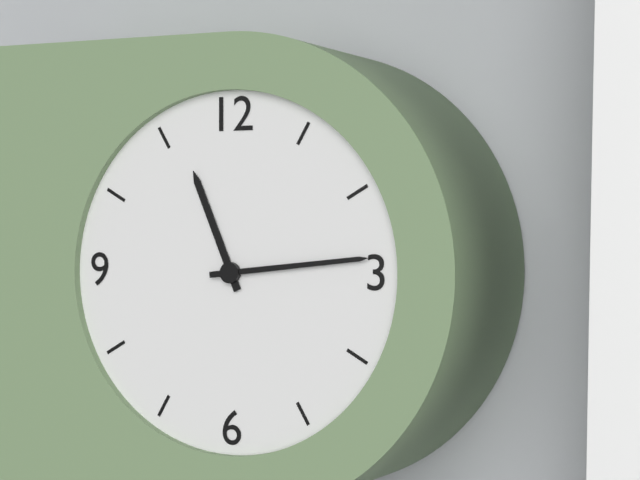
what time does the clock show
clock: 11:14
